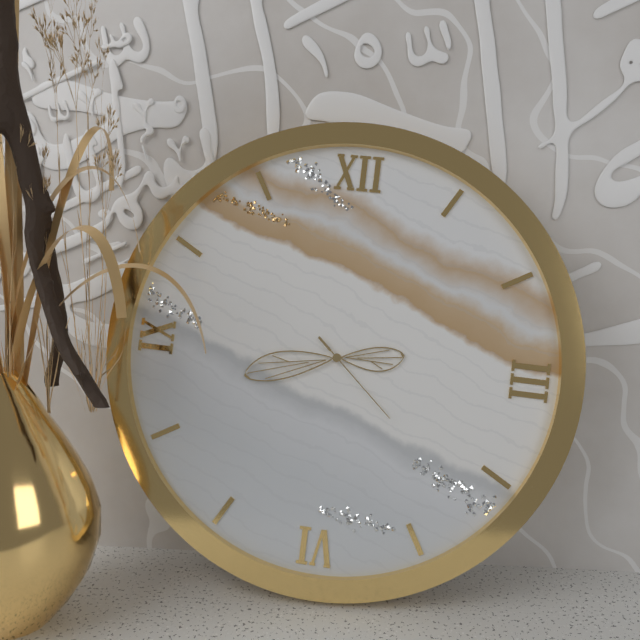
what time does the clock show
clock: 2:42:22
